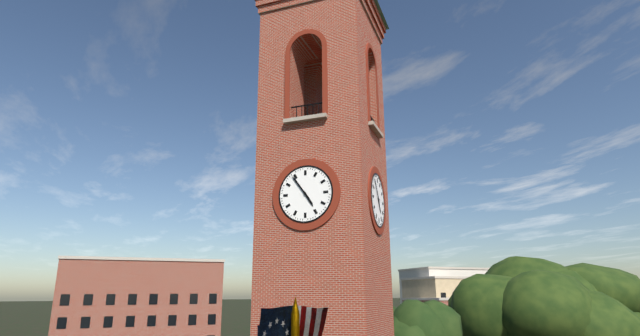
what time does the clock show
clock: 4:54
